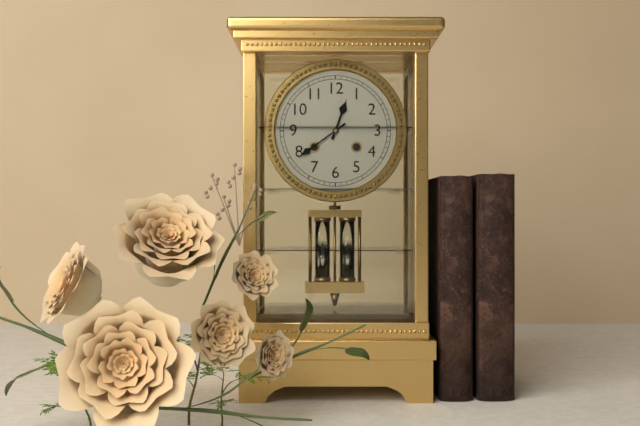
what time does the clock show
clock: 12:39
